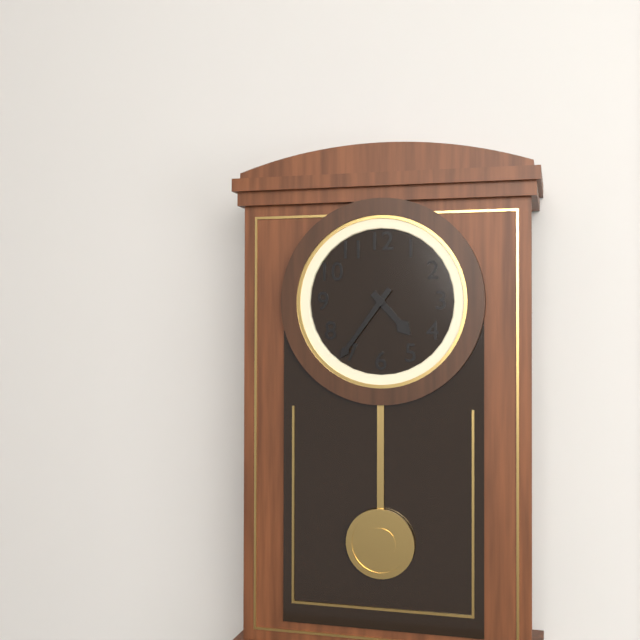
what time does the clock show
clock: 4:36
